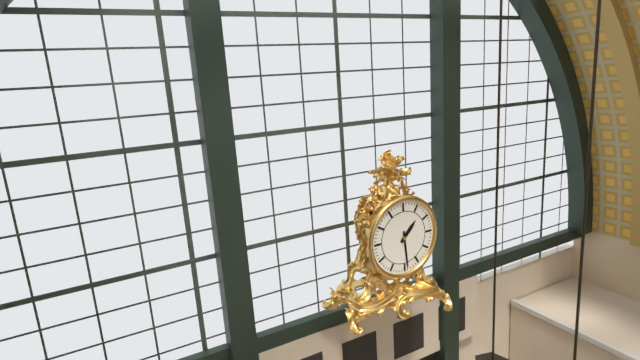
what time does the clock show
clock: 1:29
